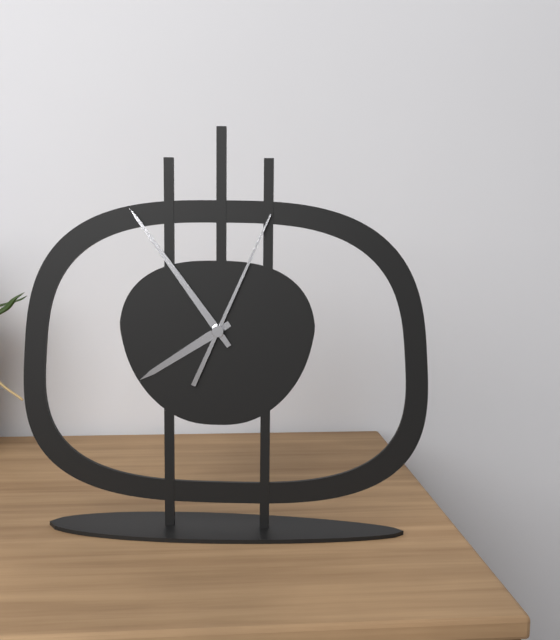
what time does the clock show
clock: 7:54:04
